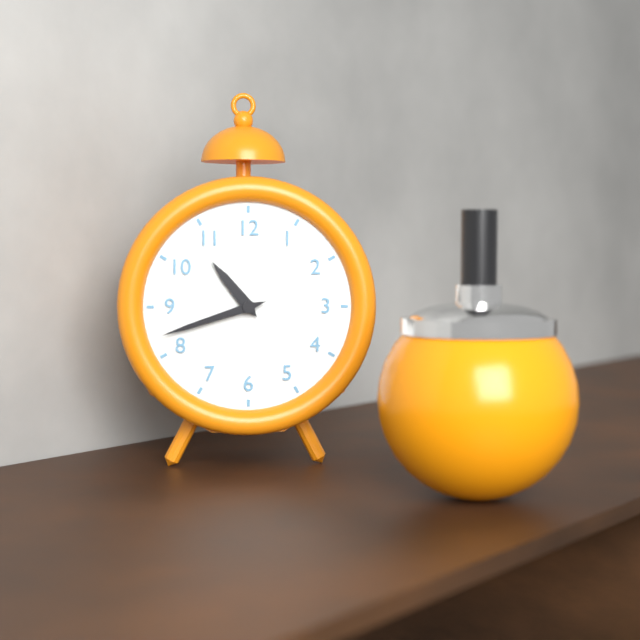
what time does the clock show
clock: 10:42
